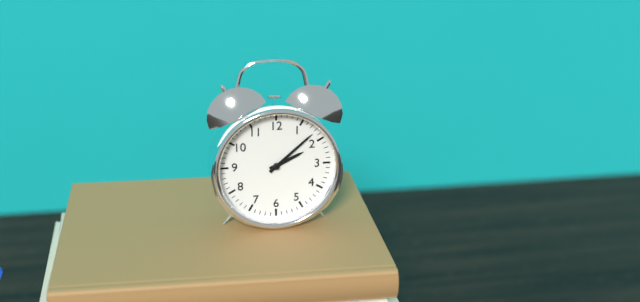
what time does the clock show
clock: 2:08
